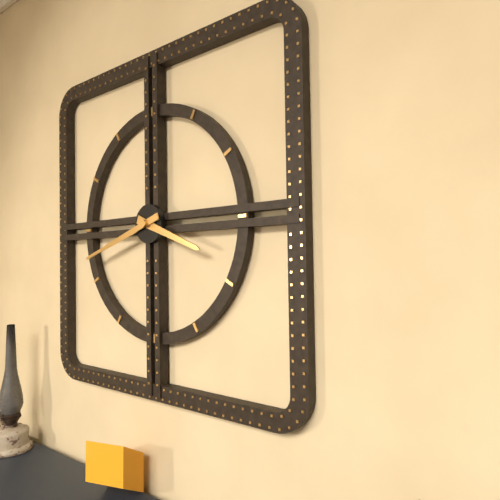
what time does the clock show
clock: 3:42
